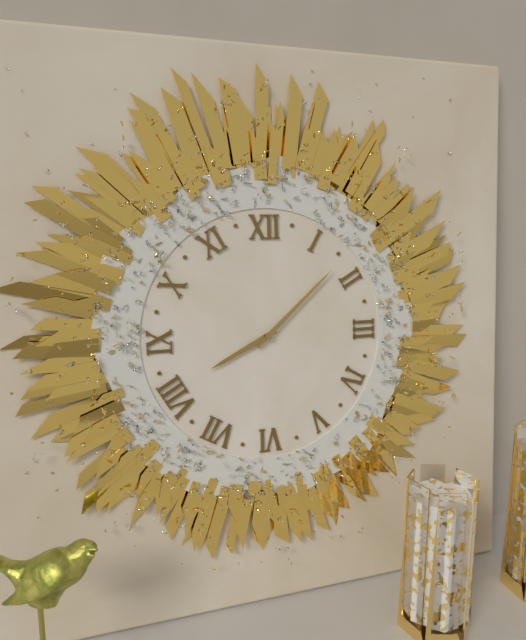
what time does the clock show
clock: 8:08
